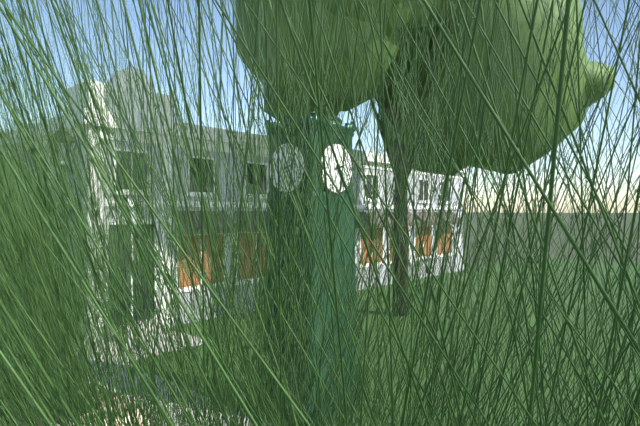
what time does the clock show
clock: 2:25
